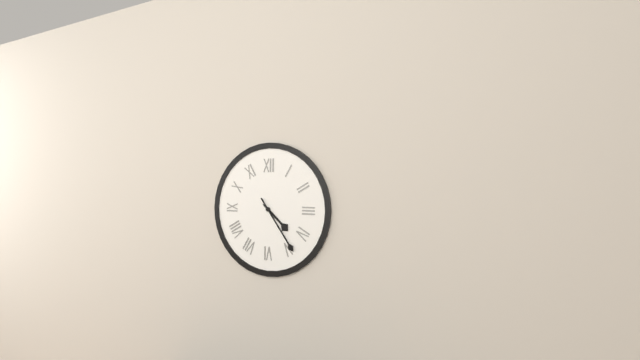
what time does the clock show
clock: 4:24
